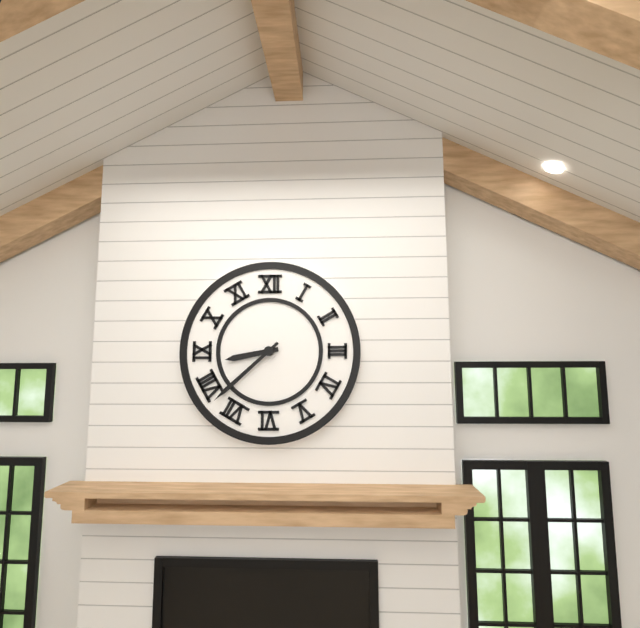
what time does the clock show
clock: 8:38
